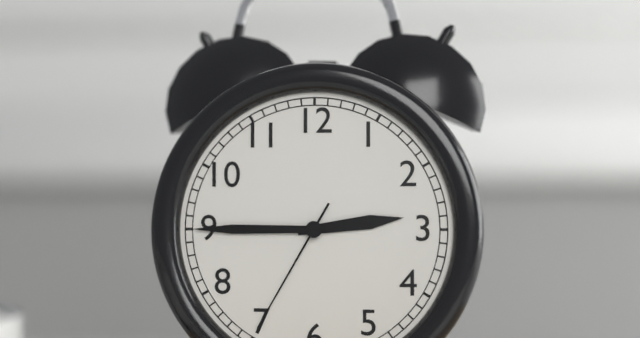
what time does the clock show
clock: 2:45:35
